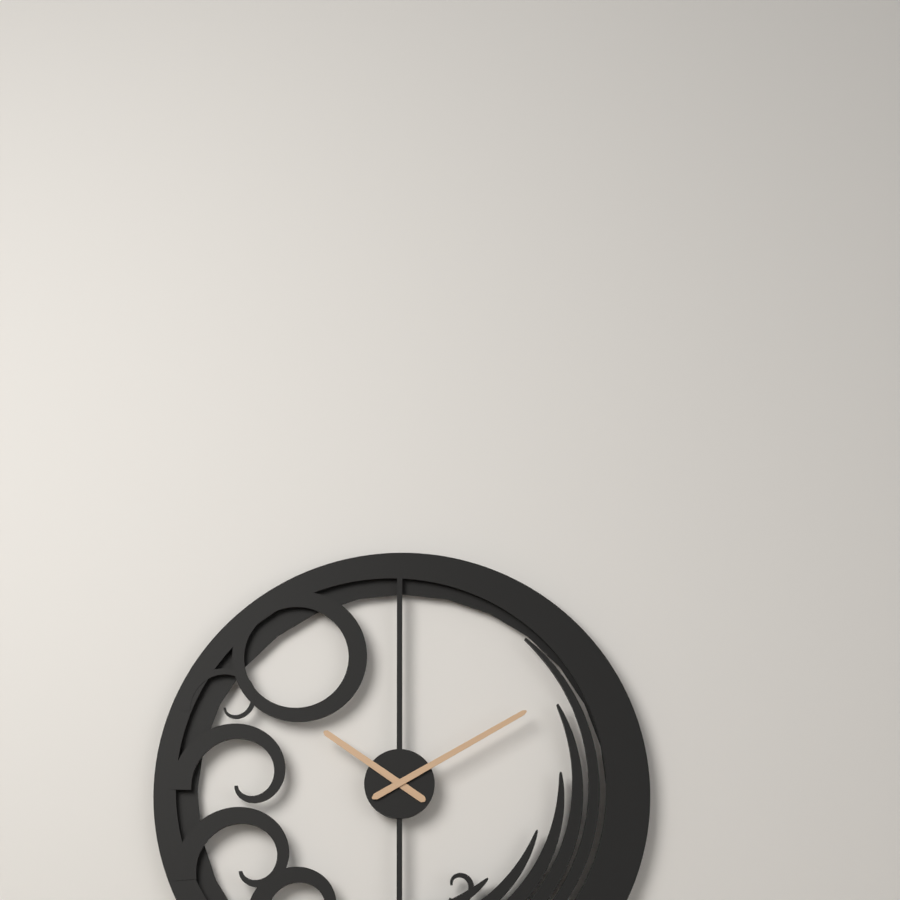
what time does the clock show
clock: 10:10
